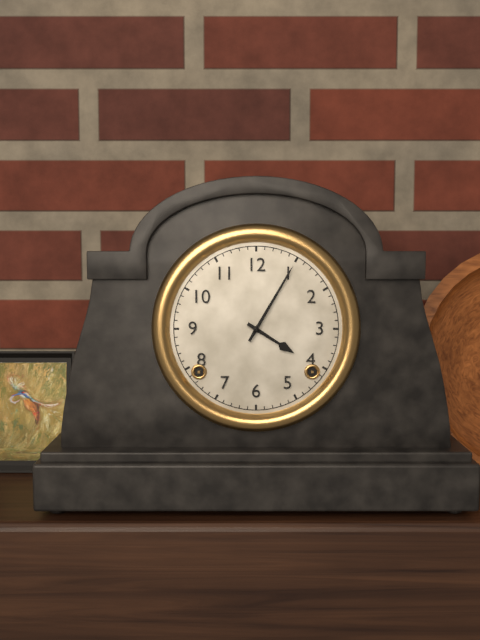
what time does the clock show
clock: 4:05
